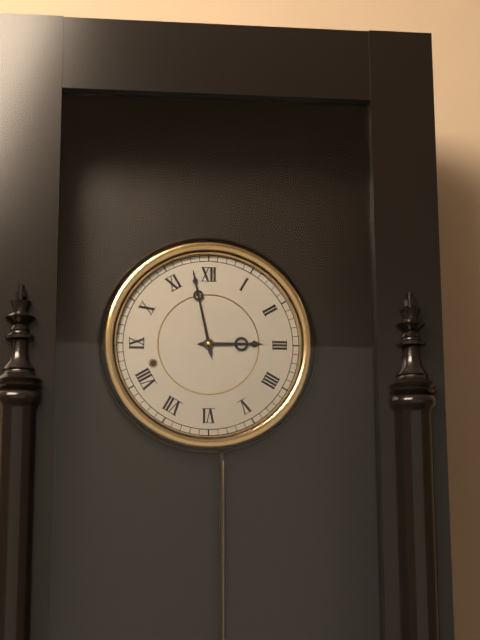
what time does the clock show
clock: 2:58
